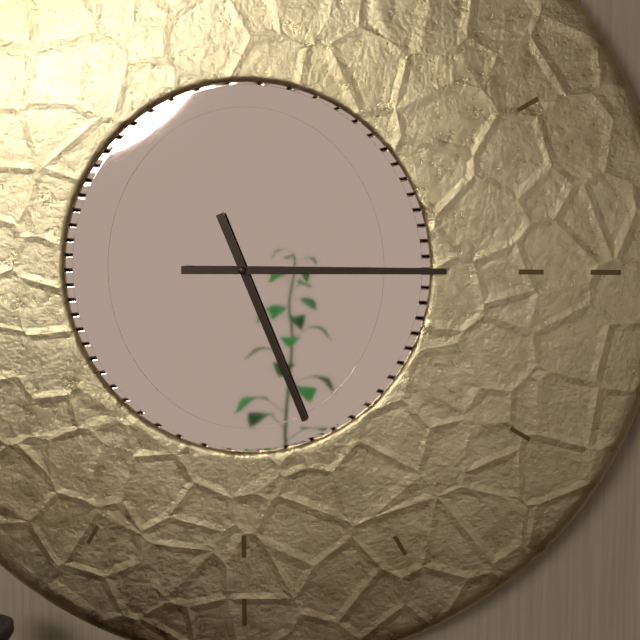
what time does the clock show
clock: 5:15
